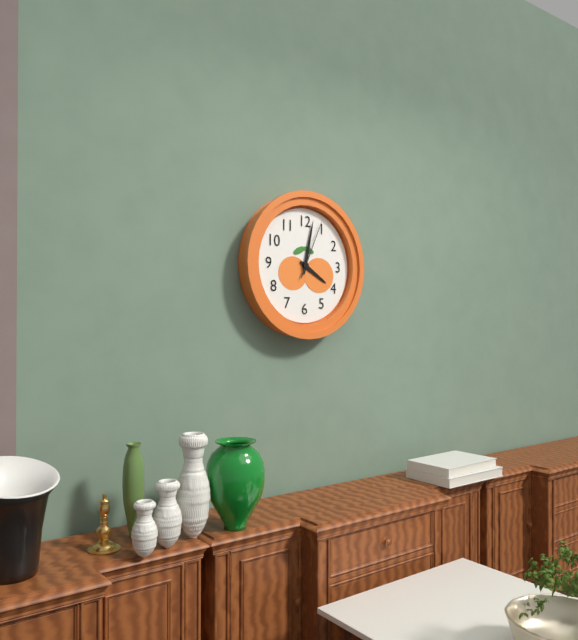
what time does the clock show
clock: 4:02:04
